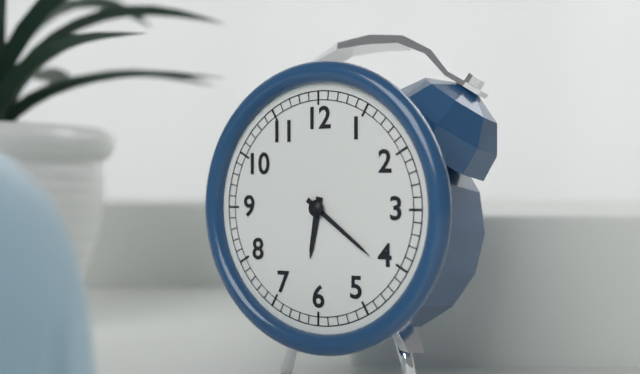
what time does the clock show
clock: 6:21
